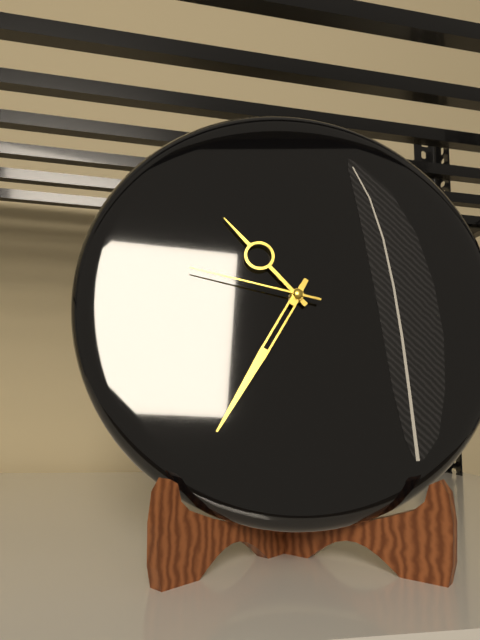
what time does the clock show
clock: 10:35:47
